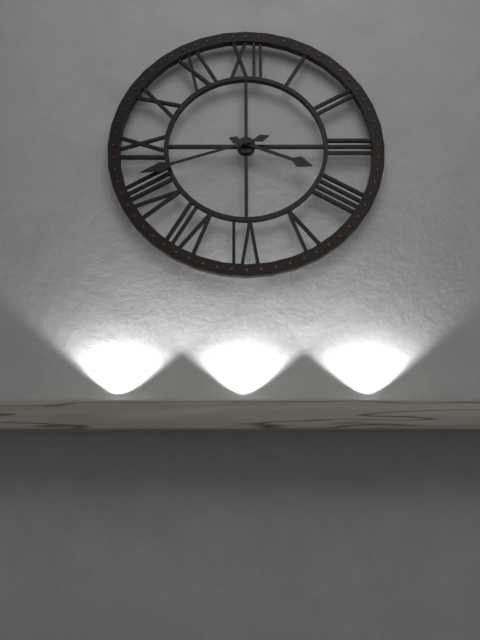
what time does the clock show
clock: 3:42
